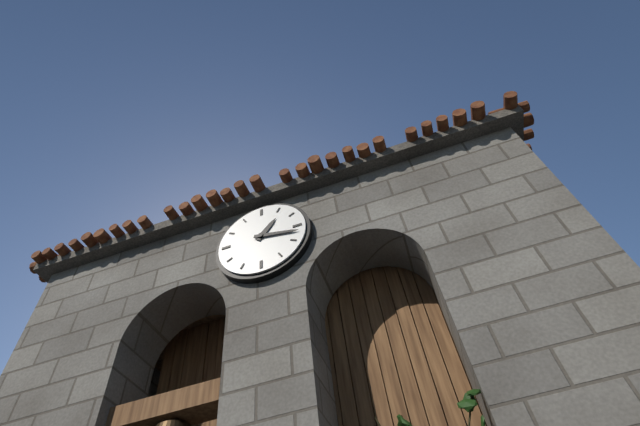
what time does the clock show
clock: 1:17
